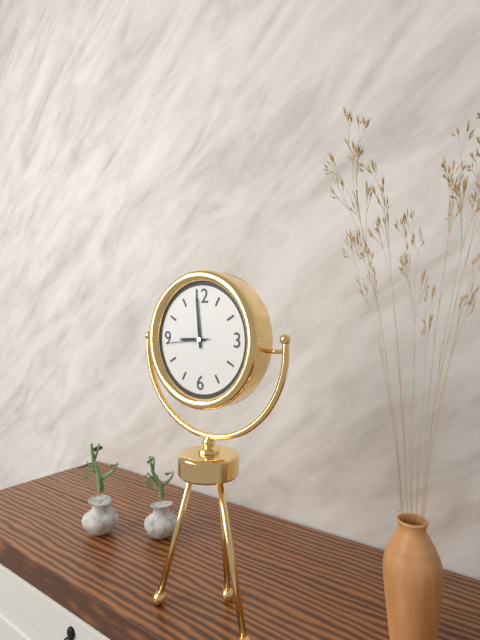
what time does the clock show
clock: 8:59
